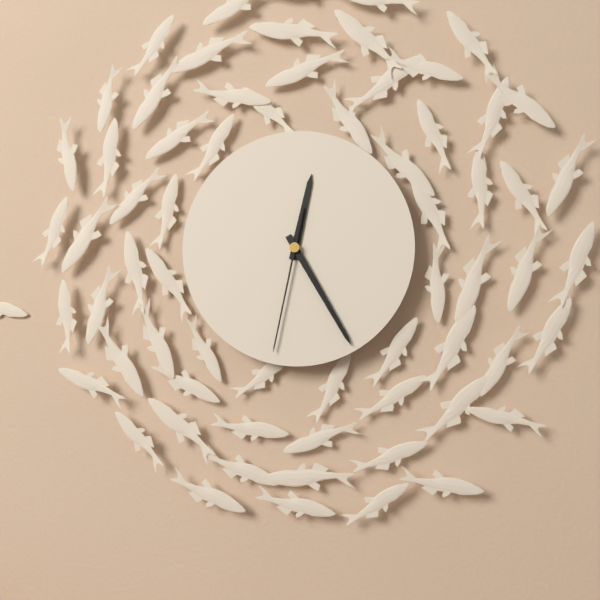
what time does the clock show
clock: 12:25:32
